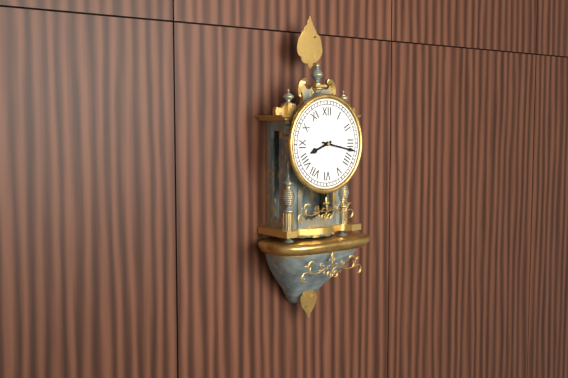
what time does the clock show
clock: 8:17
